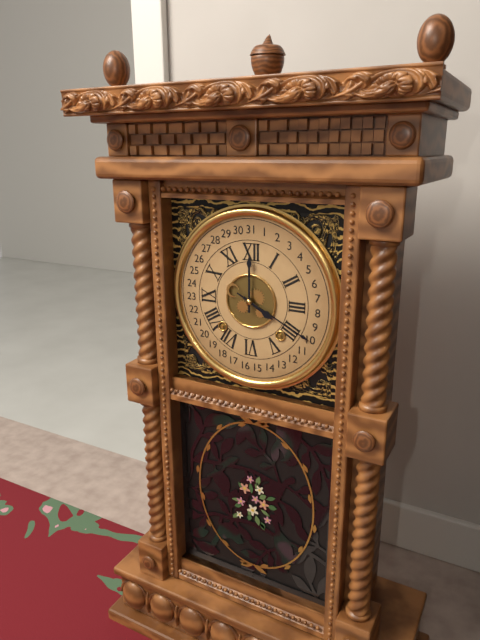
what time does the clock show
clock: 4:00
